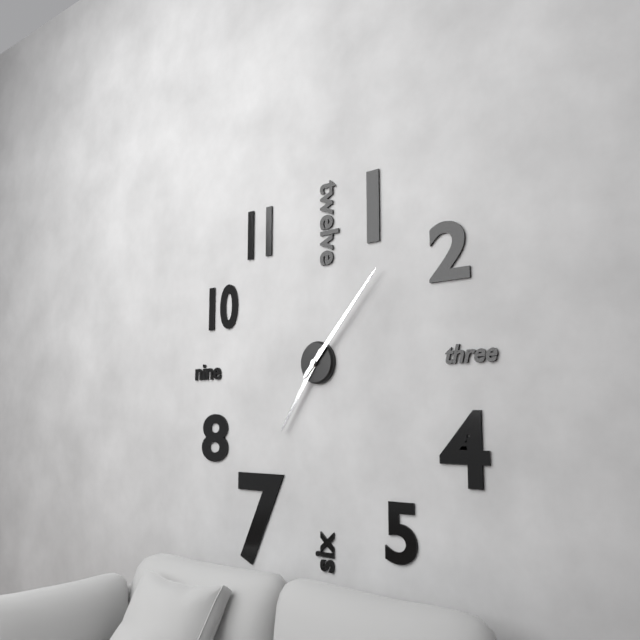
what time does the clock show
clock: 7:07
